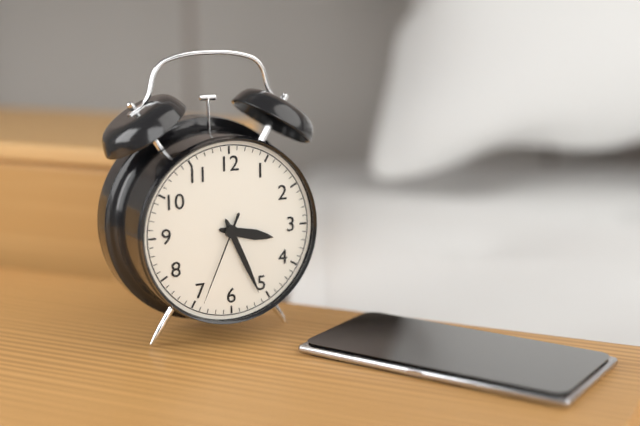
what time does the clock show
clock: 3:26:34
